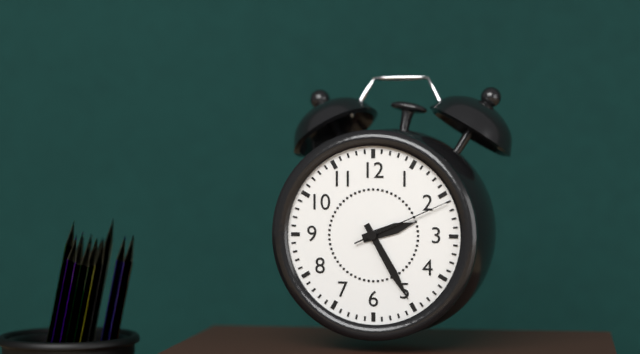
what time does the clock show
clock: 2:25:11
